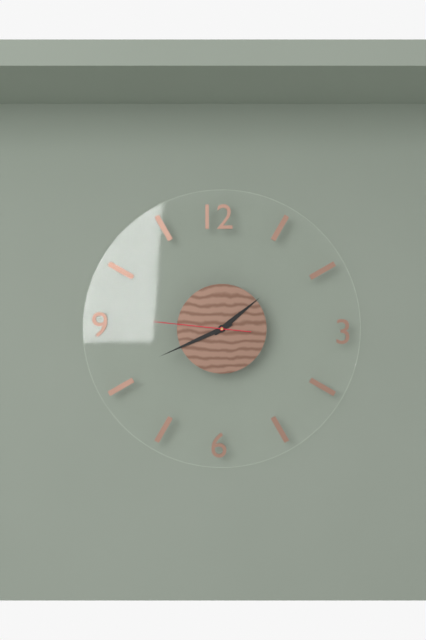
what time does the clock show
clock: 1:41:46
